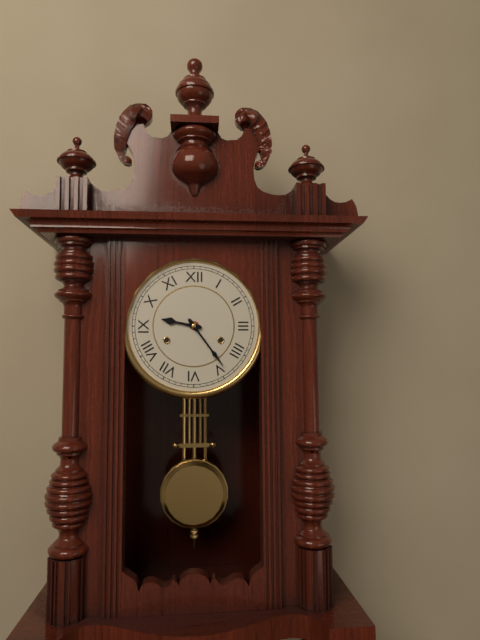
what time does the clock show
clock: 9:24
